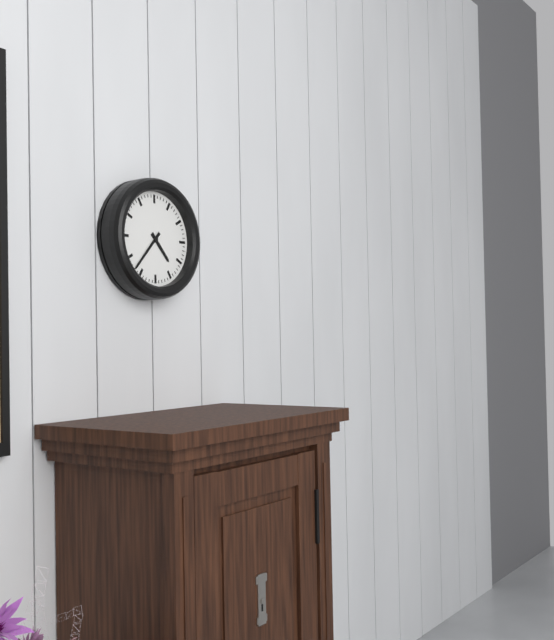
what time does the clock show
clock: 4:37
